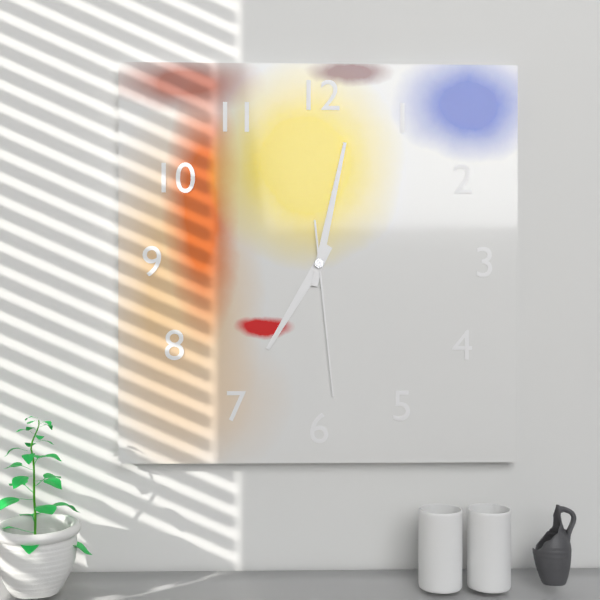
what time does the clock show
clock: 7:02:29
